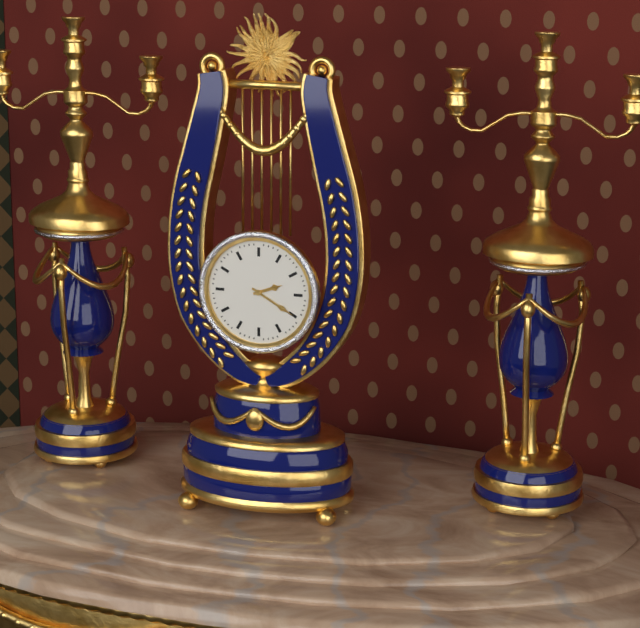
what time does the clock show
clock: 2:20
